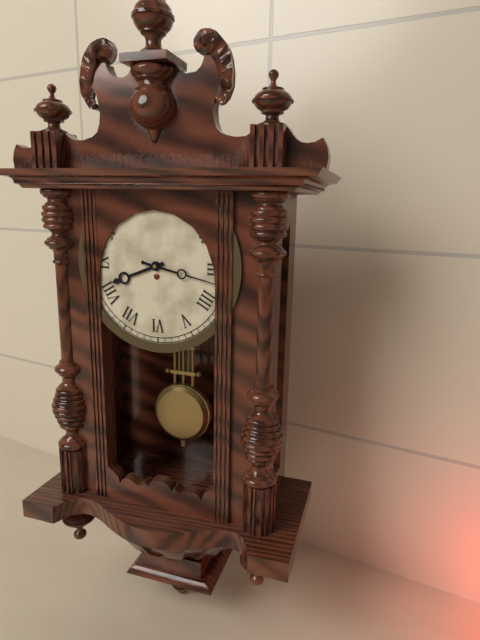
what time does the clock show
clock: 8:17
